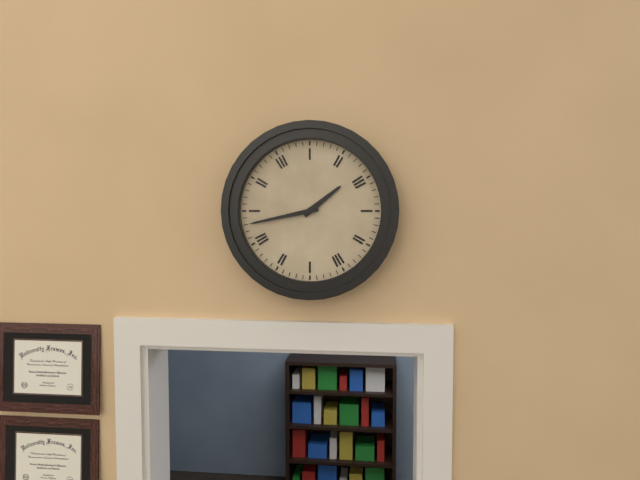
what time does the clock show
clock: 1:43
